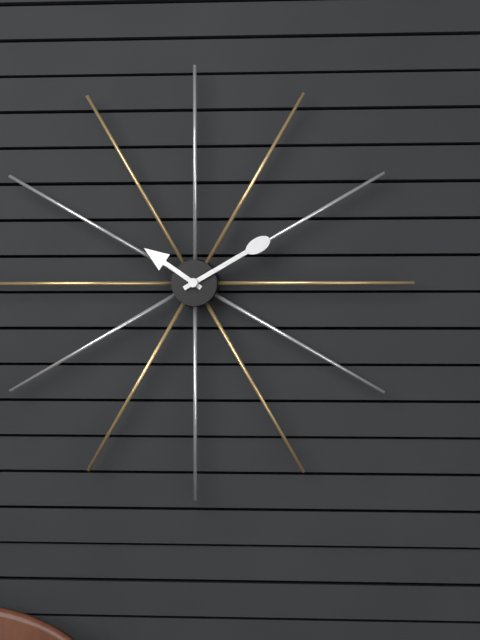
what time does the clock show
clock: 10:10
